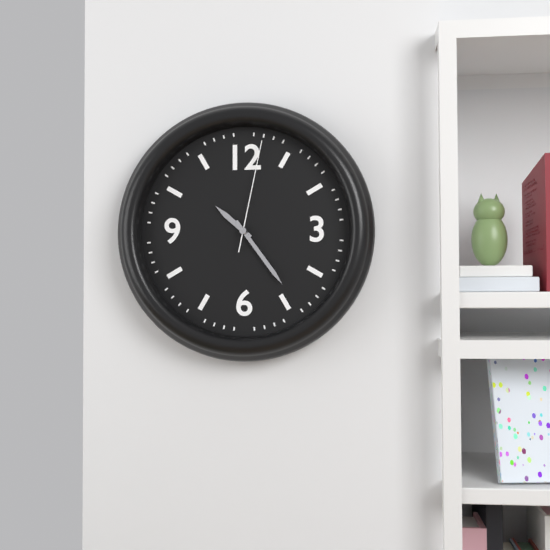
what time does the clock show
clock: 10:24:02
